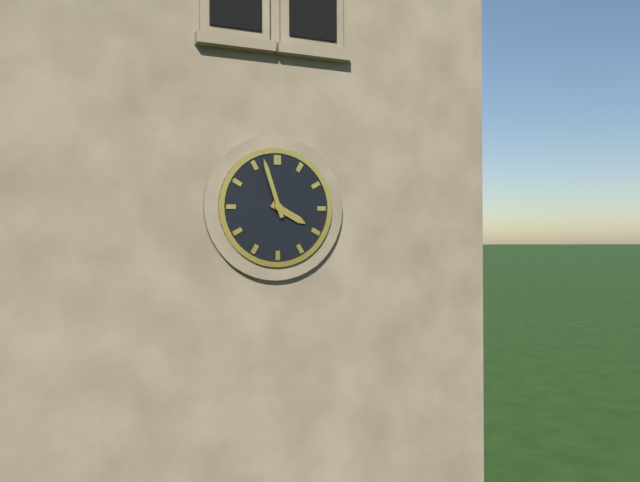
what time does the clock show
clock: 3:57
